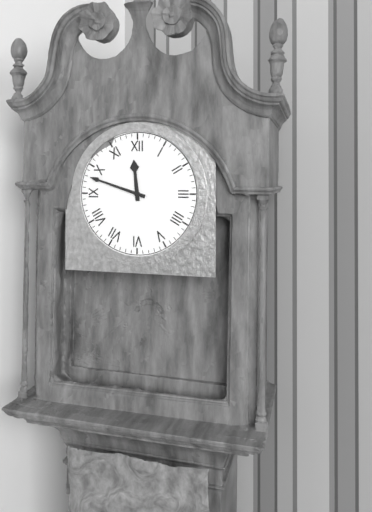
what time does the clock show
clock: 11:48
